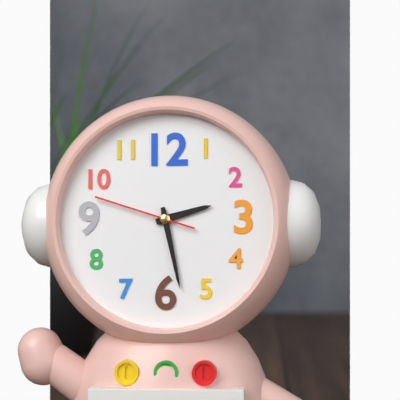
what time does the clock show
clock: 2:28:48
